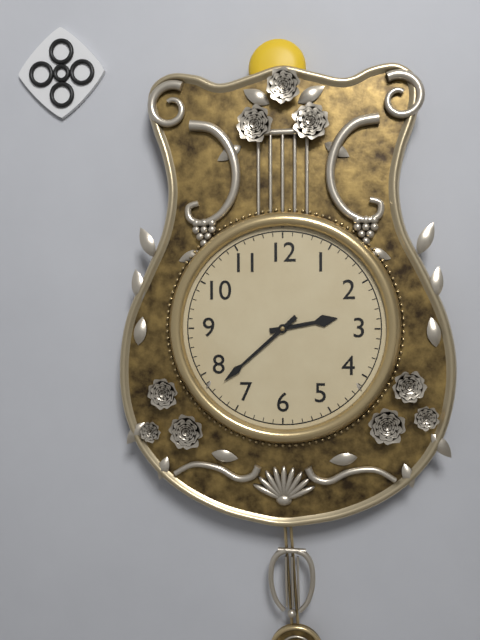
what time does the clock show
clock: 2:38
